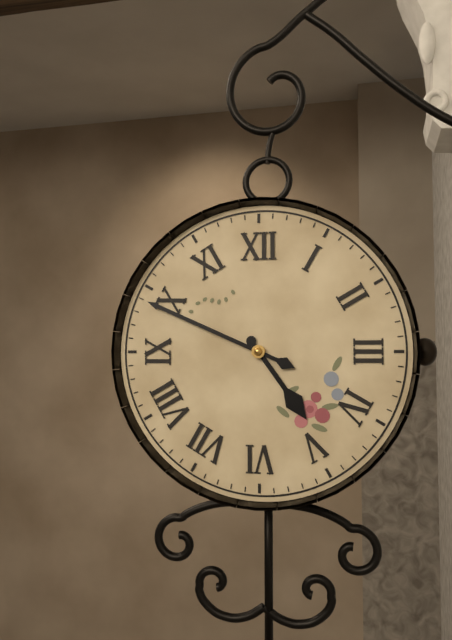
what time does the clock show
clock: 4:49
